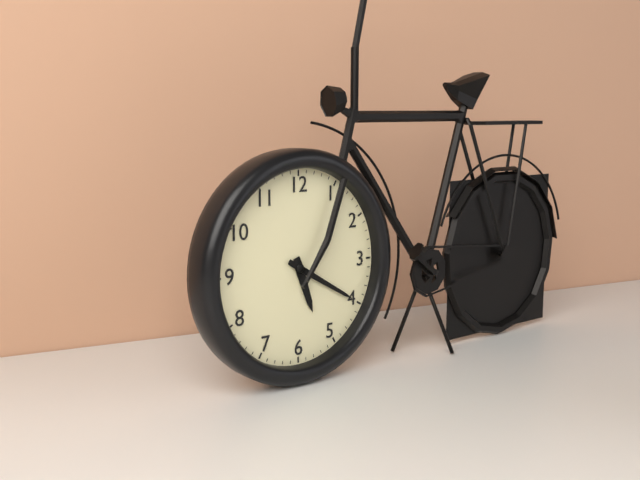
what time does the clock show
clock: 5:20
